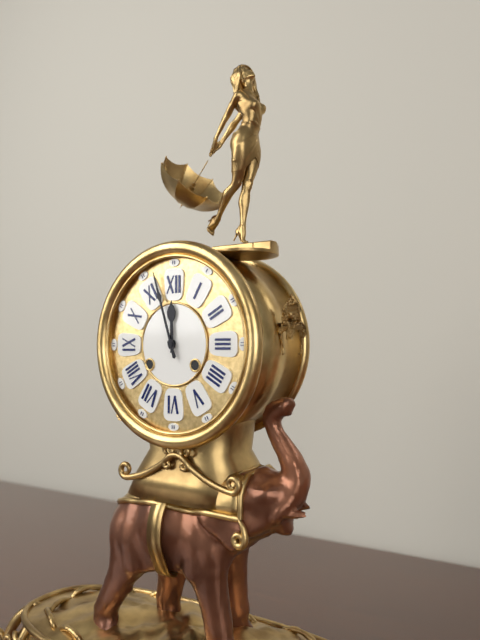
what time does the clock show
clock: 11:57
